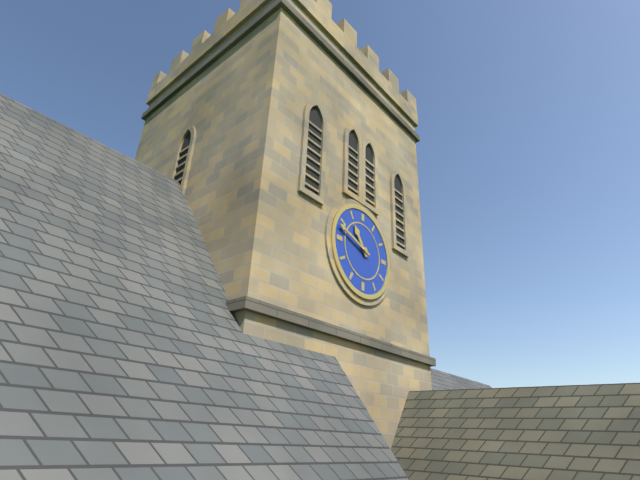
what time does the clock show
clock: 10:48
